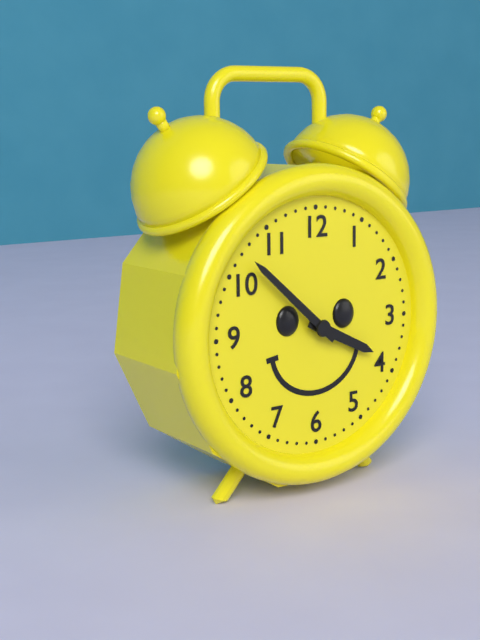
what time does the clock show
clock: 3:52
